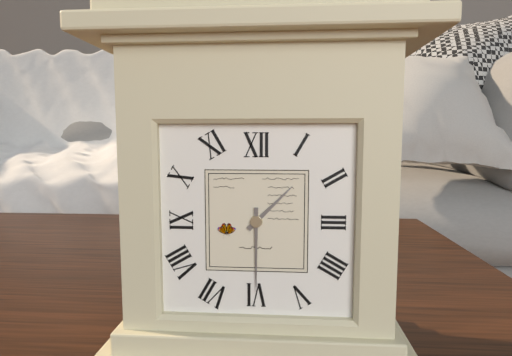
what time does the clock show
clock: 1:30
